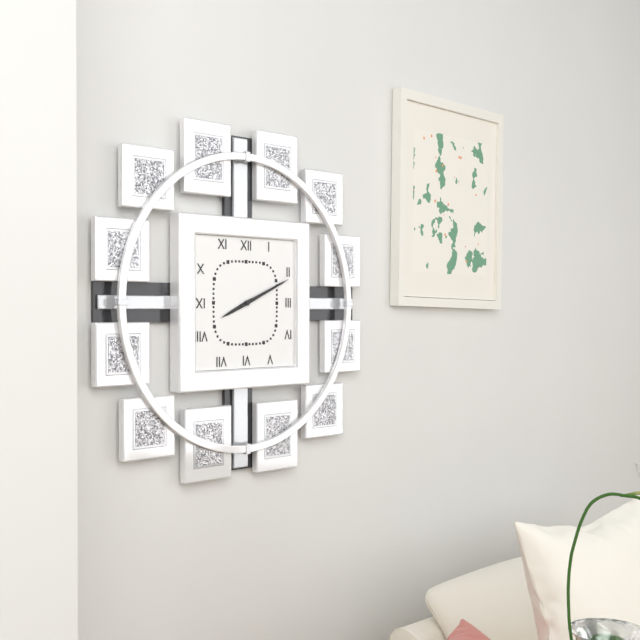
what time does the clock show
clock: 8:11
